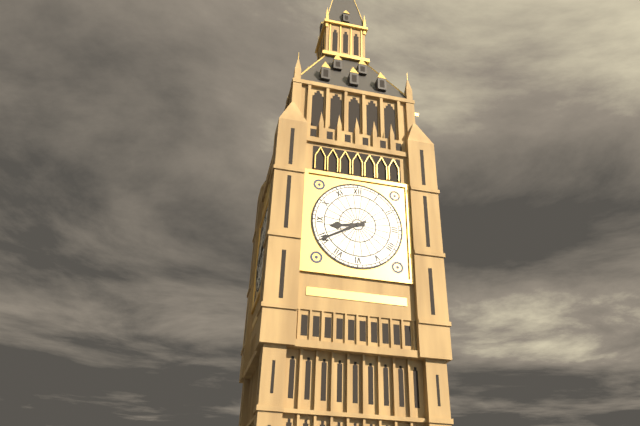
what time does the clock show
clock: 8:40
